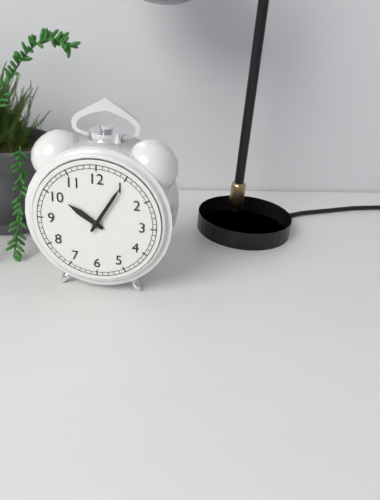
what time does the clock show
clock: 10:05
